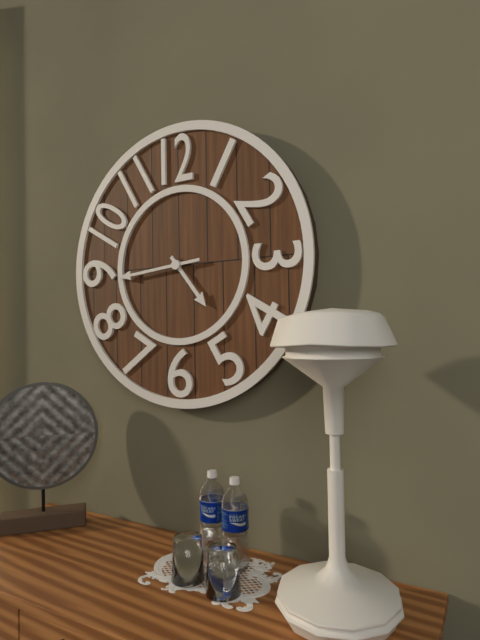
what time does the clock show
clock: 4:44
